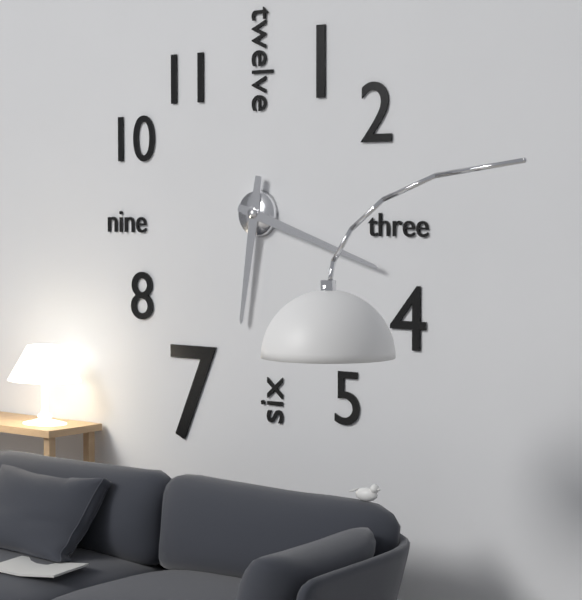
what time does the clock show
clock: 6:18
